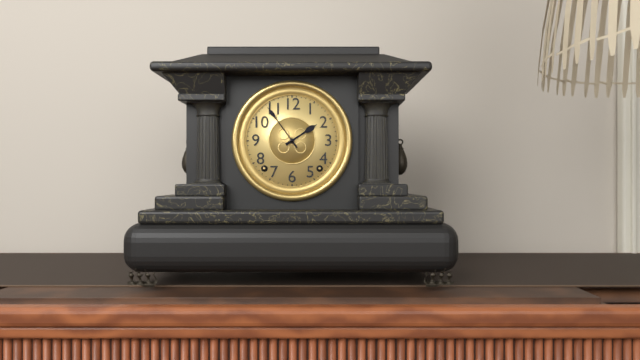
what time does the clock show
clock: 1:54
